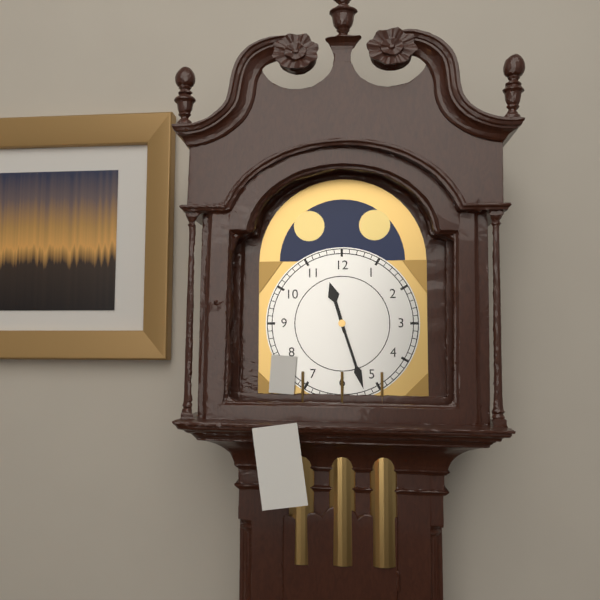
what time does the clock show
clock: 11:27
